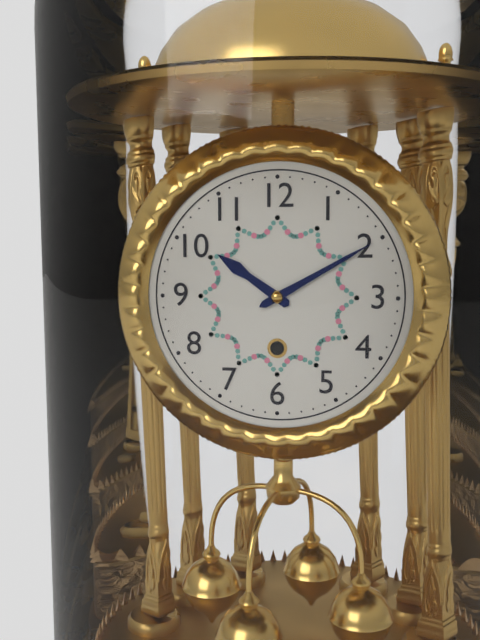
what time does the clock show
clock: 10:10
